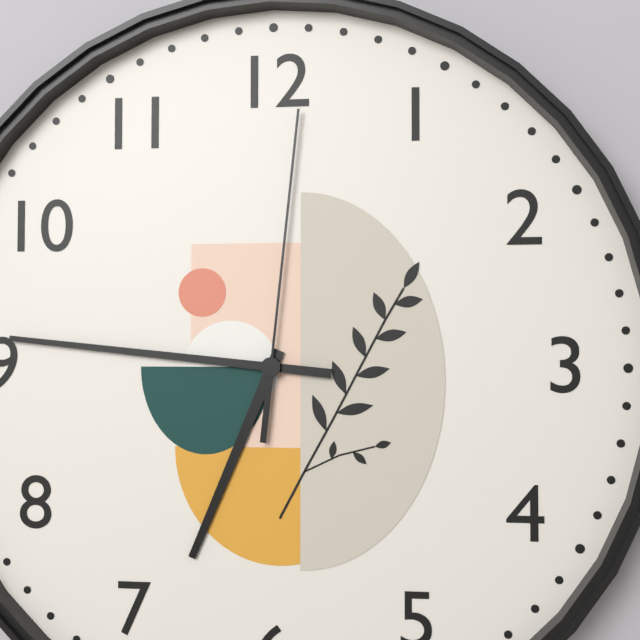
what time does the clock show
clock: 6:46:01
